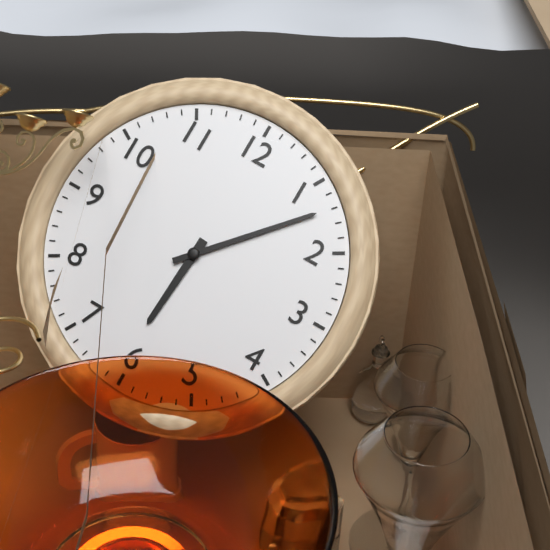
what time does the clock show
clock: 6:07
